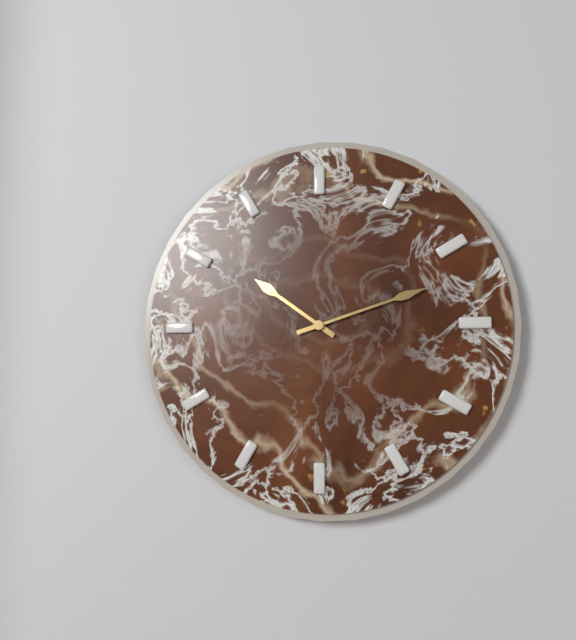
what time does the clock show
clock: 10:12
